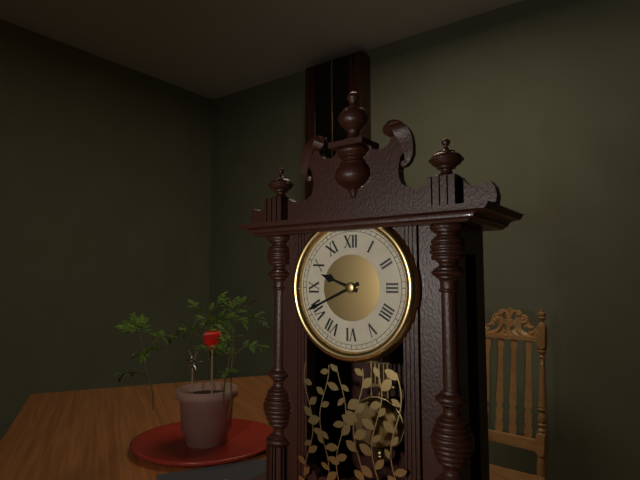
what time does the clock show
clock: 9:41
